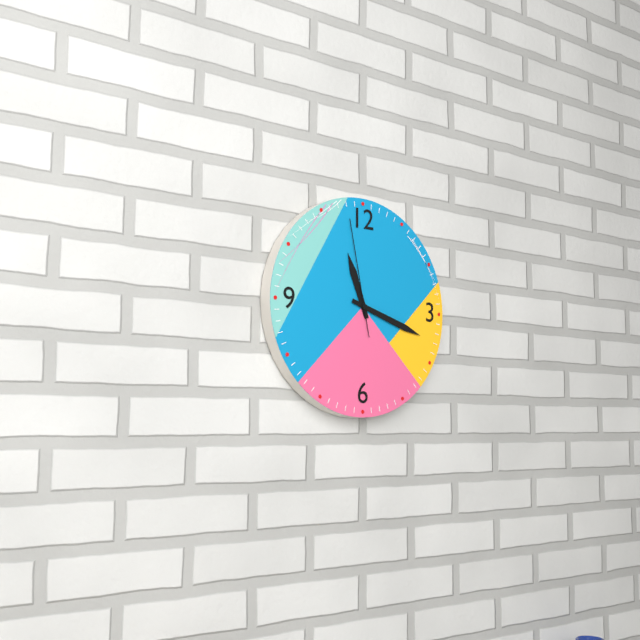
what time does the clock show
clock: 11:18:58
